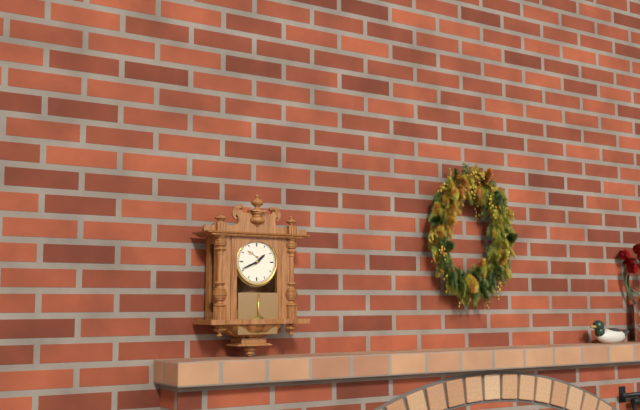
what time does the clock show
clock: 1:41
